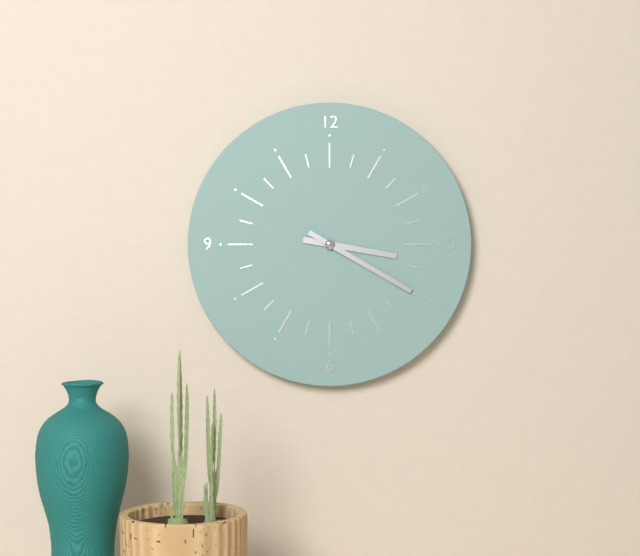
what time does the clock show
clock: 3:20
